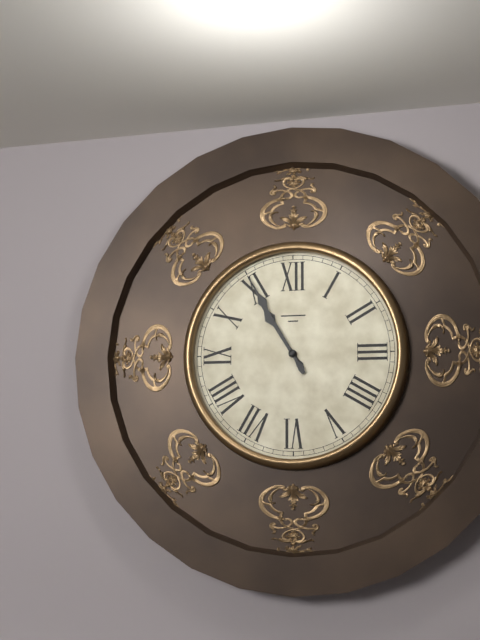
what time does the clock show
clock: 10:55
